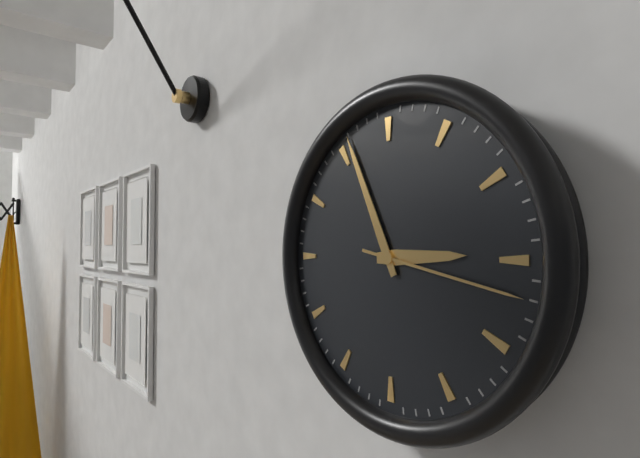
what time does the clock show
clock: 2:56:17
